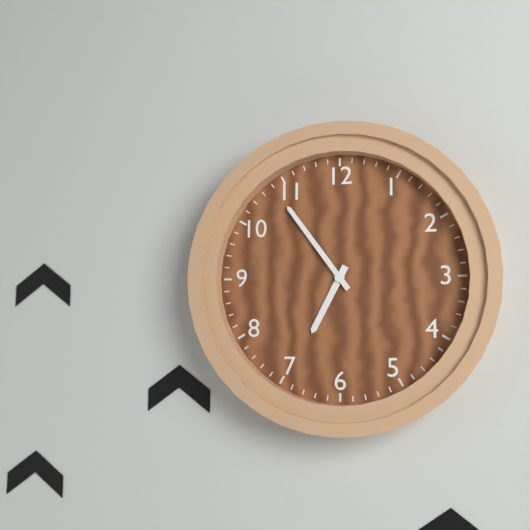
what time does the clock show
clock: 6:54
